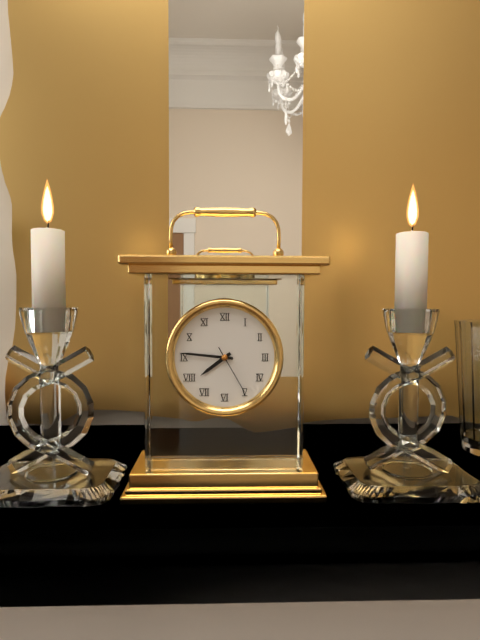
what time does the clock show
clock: 7:46
